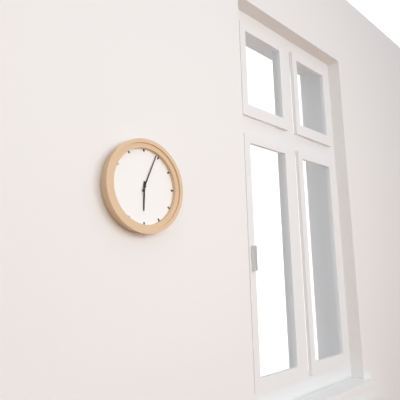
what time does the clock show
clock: 6:04
